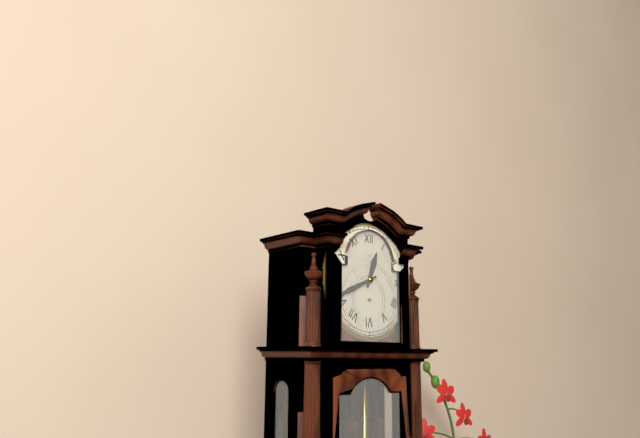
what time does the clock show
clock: 12:41
